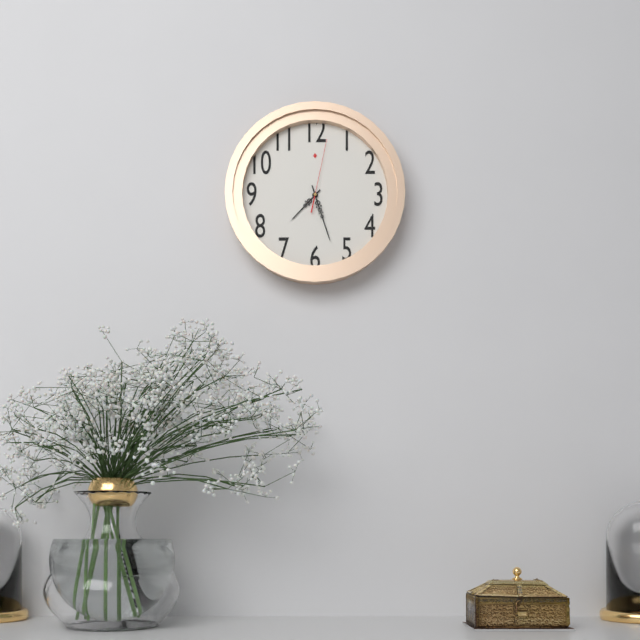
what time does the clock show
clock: 7:27:02
